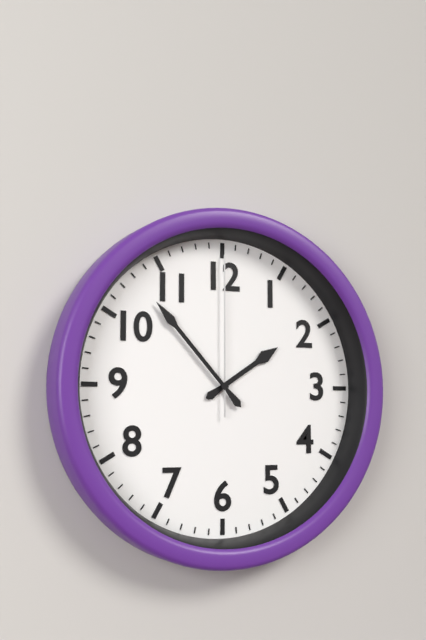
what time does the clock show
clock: 1:53:00
